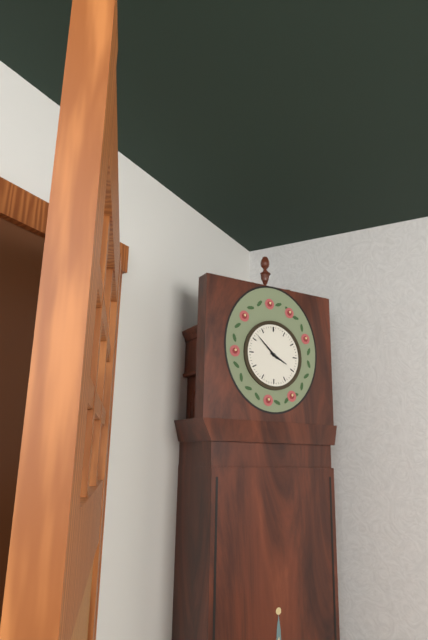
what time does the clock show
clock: 3:52
